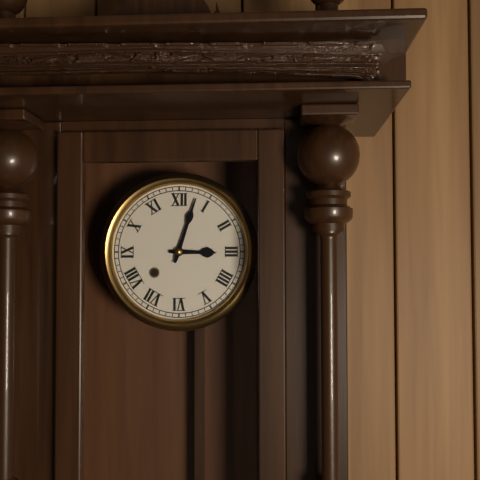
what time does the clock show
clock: 3:03
